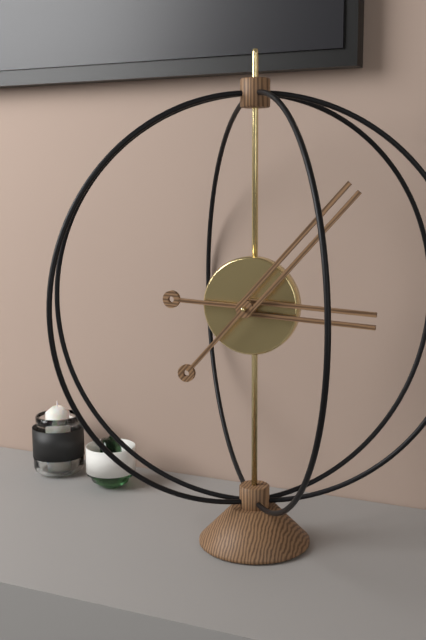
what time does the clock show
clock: 3:07
